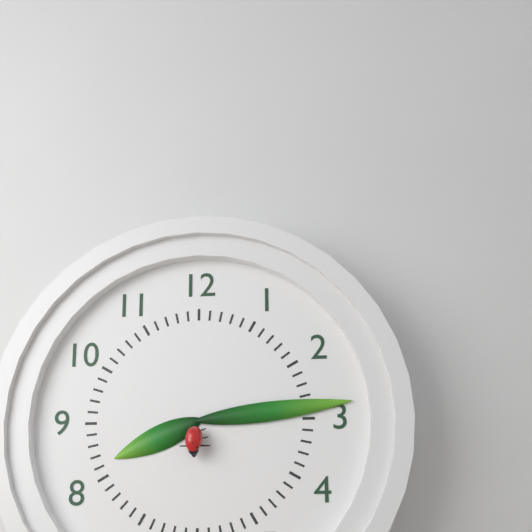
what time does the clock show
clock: 8:14
